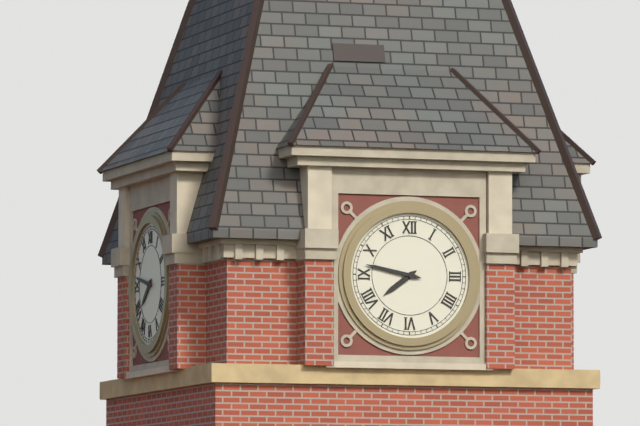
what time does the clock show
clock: 7:47
